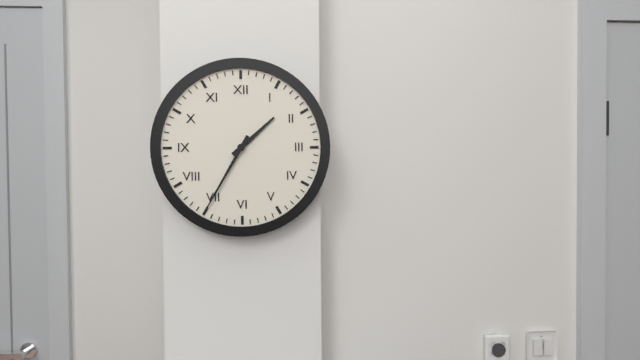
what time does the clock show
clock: 1:35
